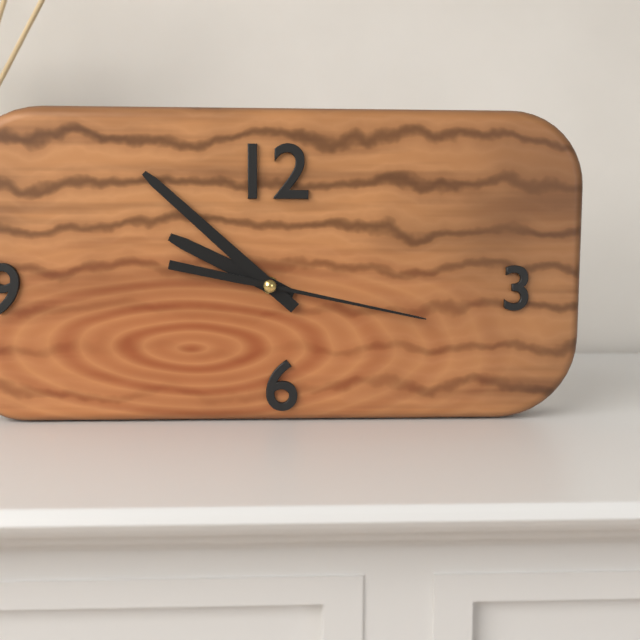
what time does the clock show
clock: 9:52:17
